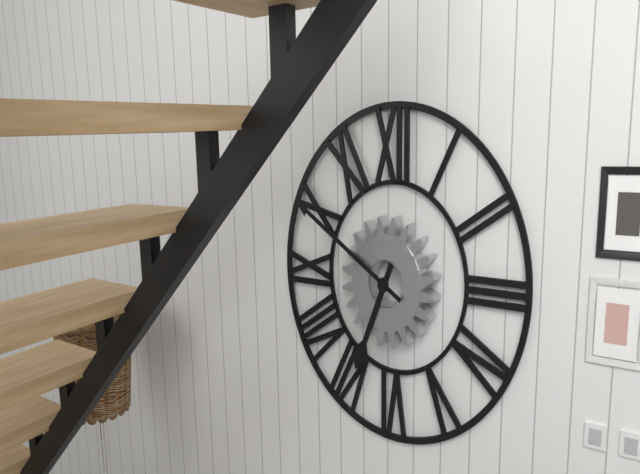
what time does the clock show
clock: 6:50
